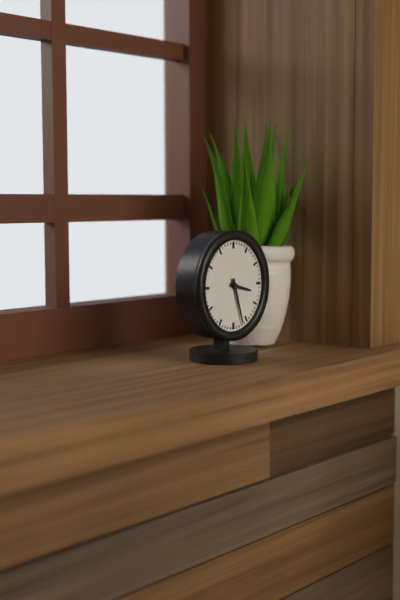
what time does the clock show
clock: 3:27
